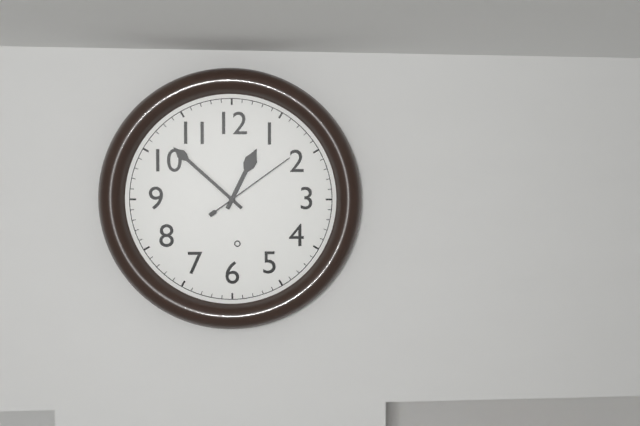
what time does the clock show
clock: 12:52:09
